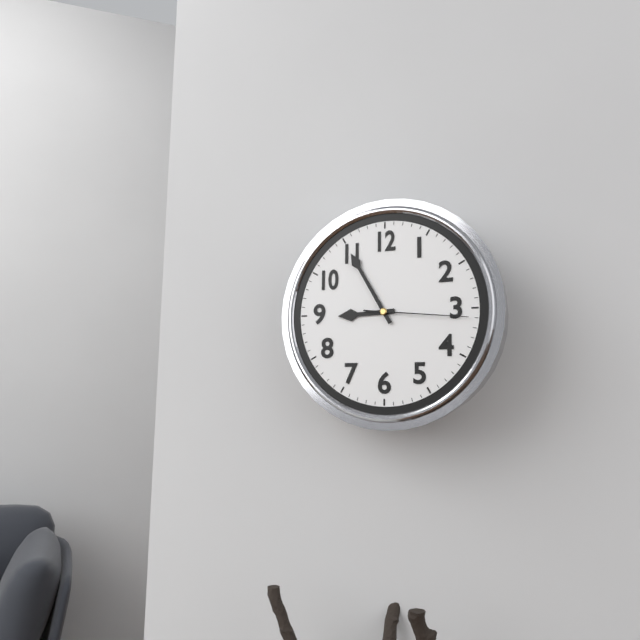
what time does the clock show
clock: 8:55:16
